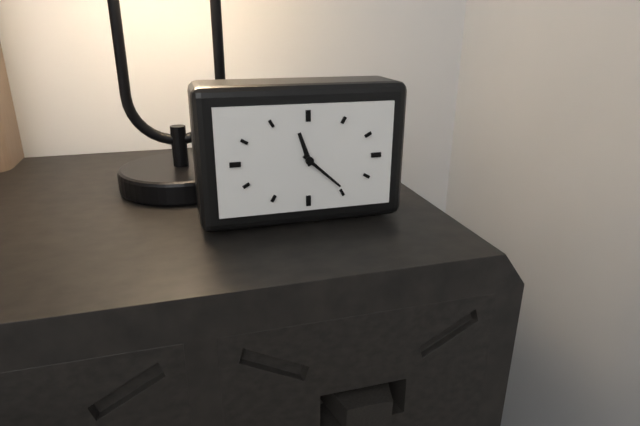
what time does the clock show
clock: 11:22
